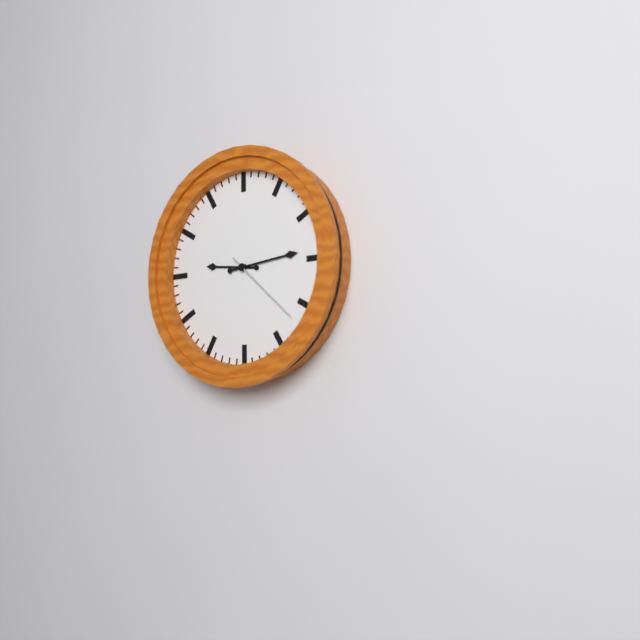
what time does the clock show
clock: 9:14:22
